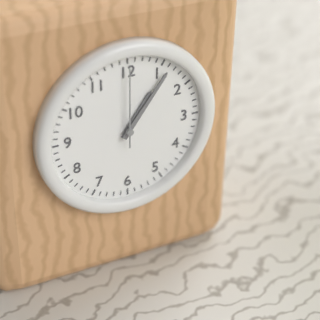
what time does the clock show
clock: 1:06:00
